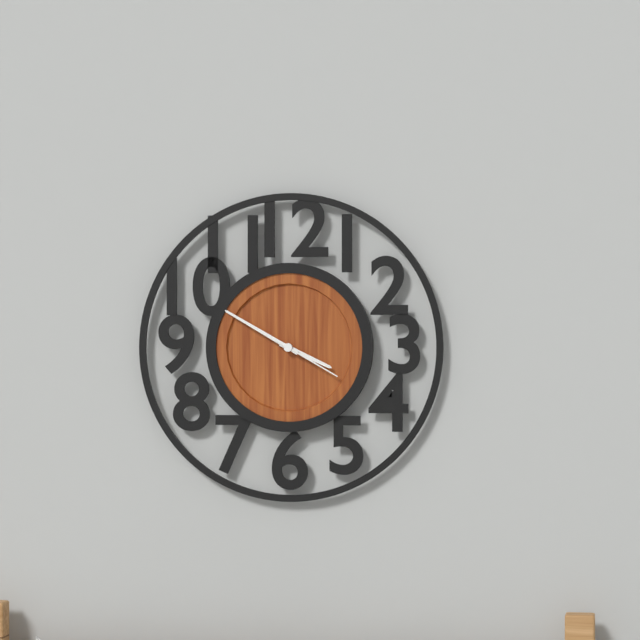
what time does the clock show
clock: 3:50:20
